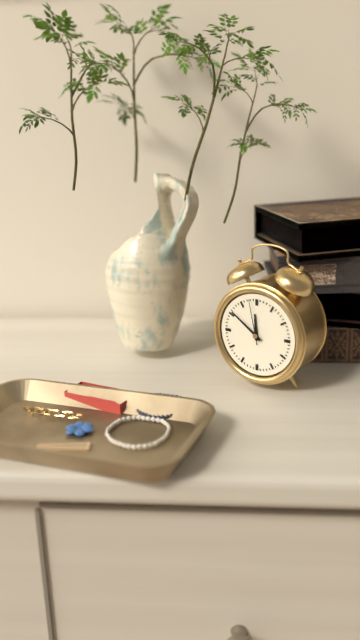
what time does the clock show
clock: 11:51
